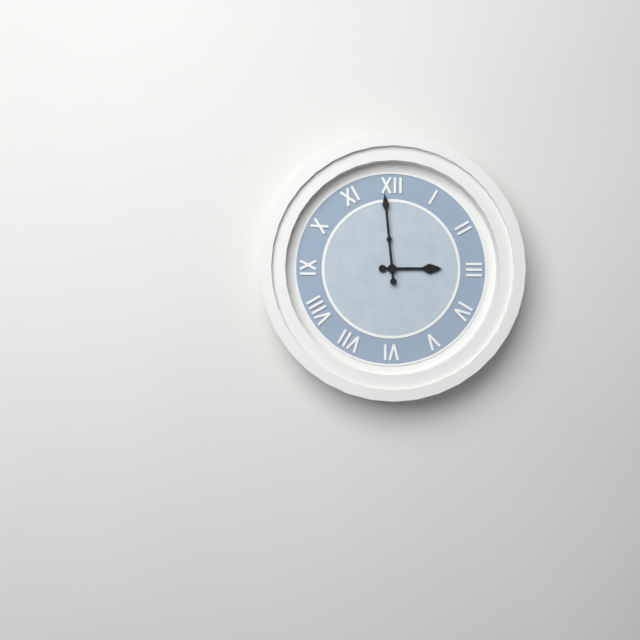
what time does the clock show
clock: 2:59
